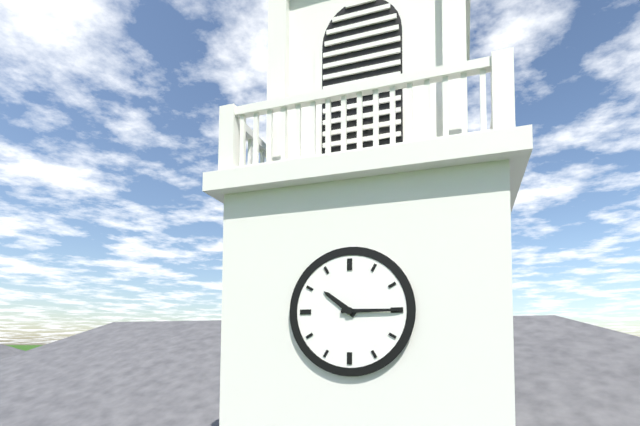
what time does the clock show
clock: 10:15
